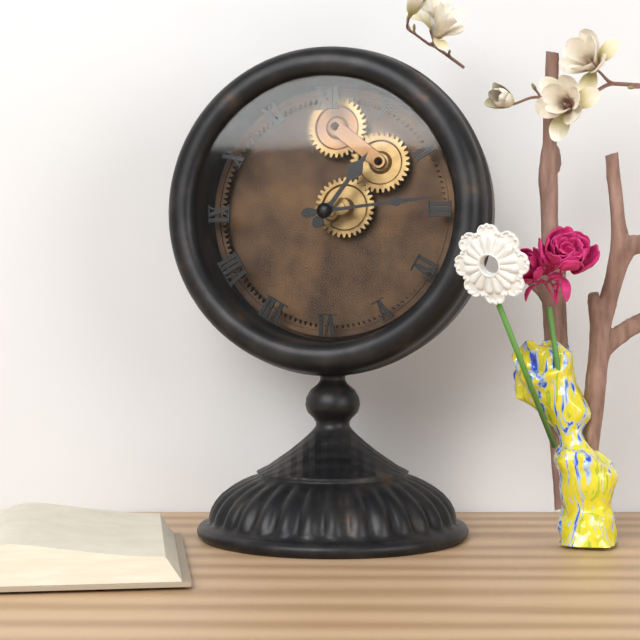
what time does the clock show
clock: 1:14
